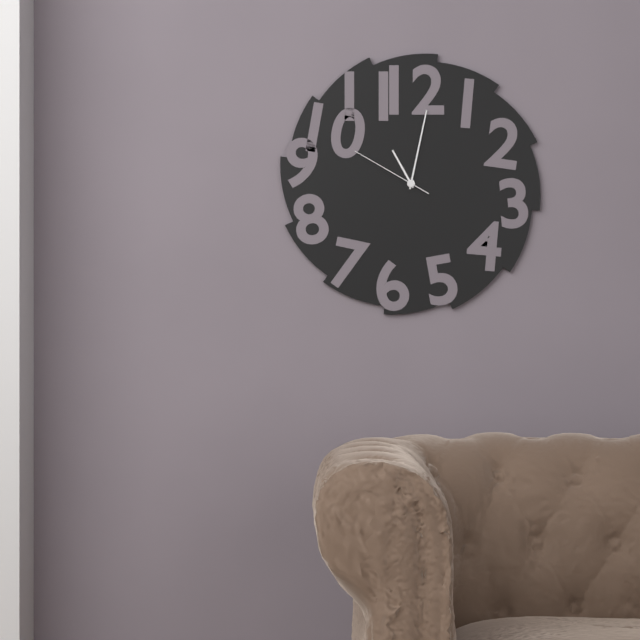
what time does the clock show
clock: 11:02:50
